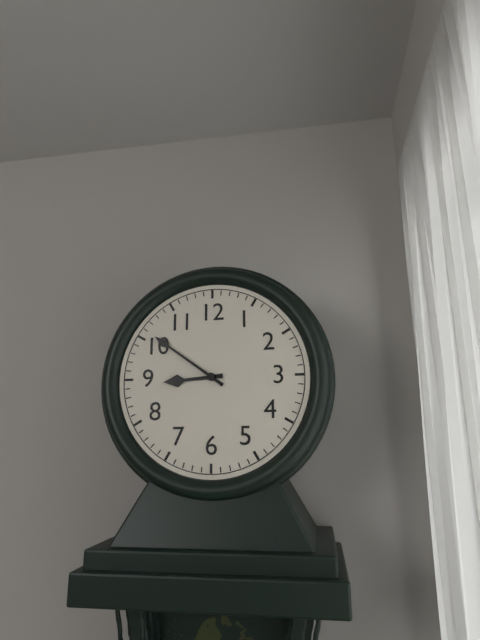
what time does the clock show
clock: 8:51
